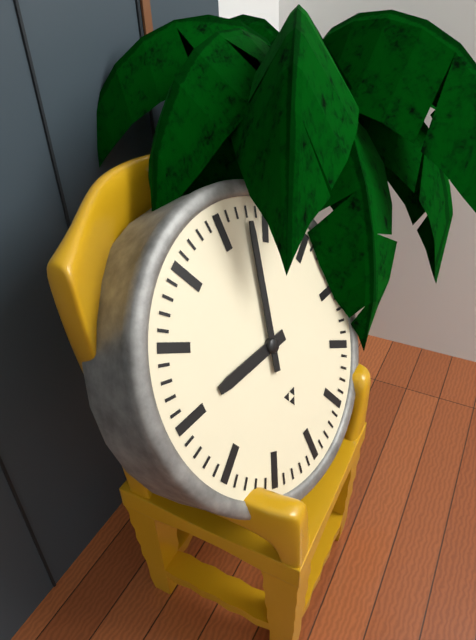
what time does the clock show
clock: 9:03
